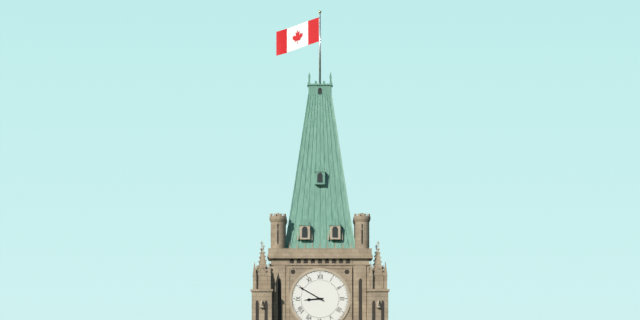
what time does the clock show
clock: 8:50
